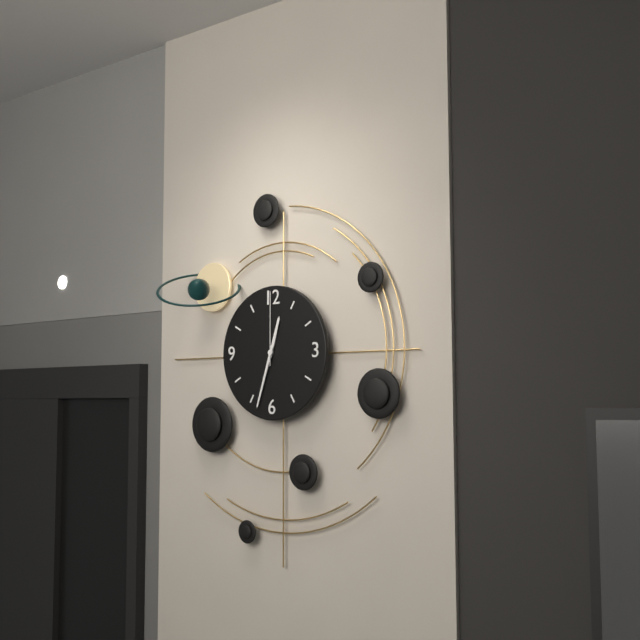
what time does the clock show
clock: 12:33:00
